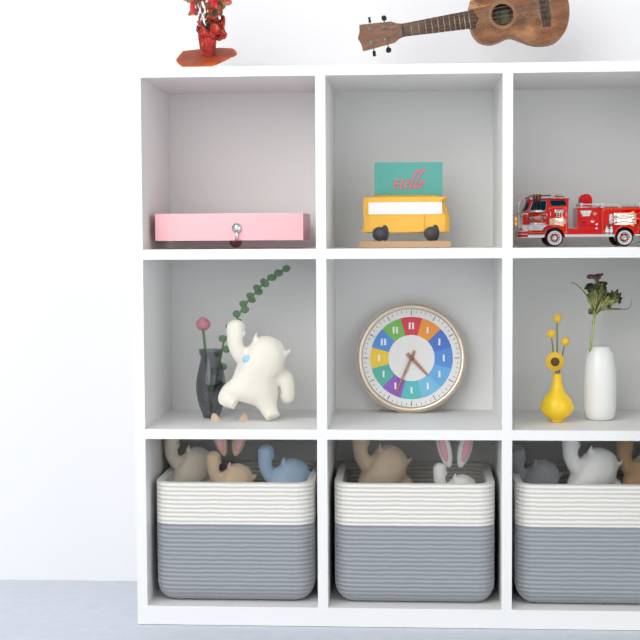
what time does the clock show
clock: 4:34
